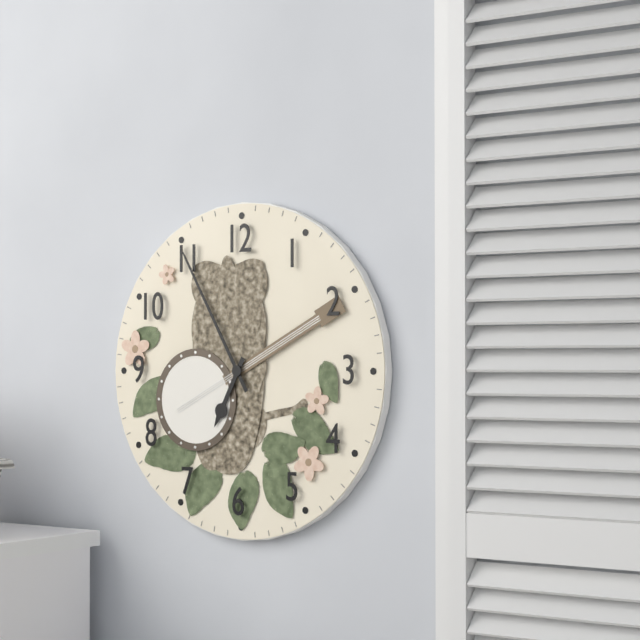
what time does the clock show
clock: 6:55
